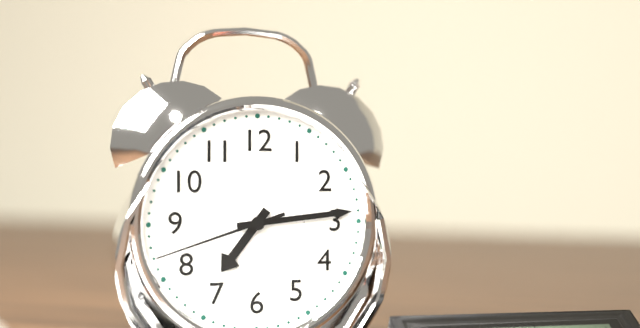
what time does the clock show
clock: 7:14:42
